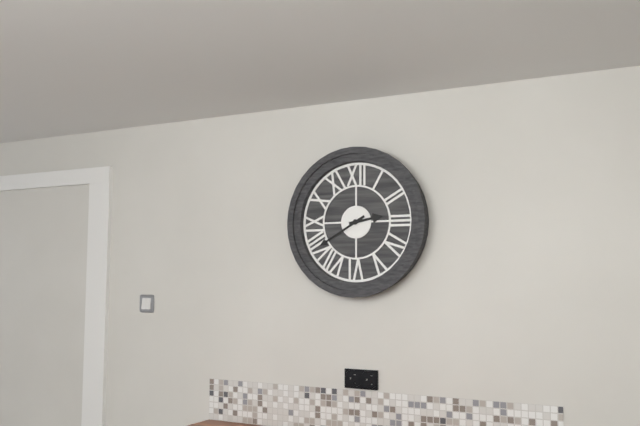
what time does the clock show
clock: 2:40
